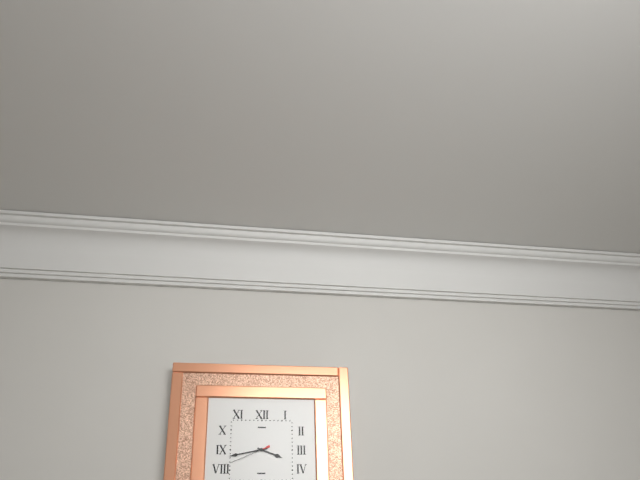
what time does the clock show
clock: 3:43
